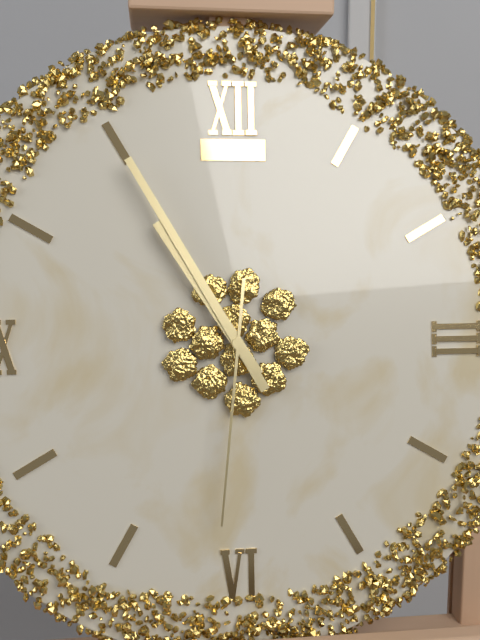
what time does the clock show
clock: 10:55:31
